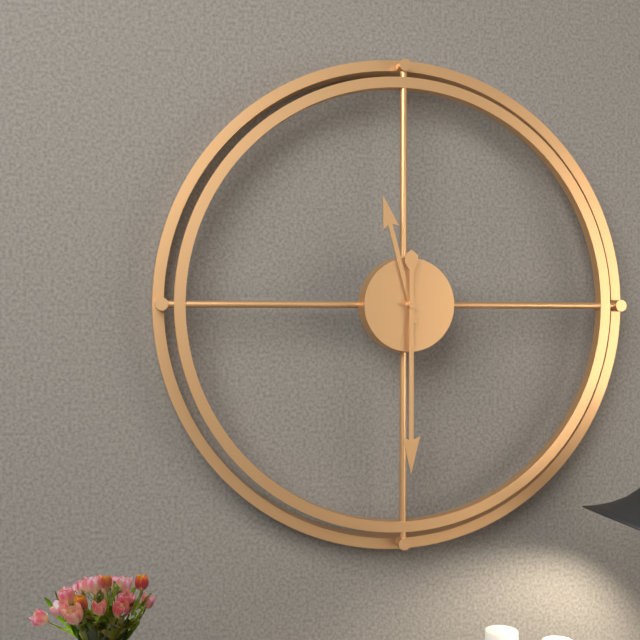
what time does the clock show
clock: 11:30
